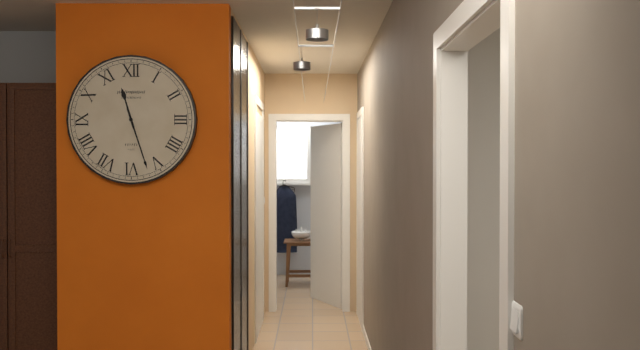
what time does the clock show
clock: 11:27
